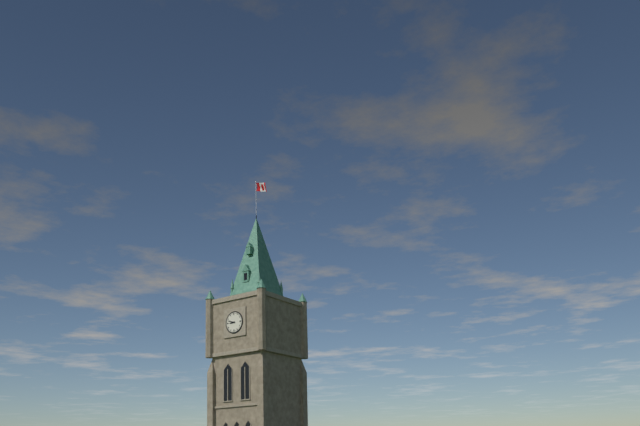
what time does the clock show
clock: 8:48
